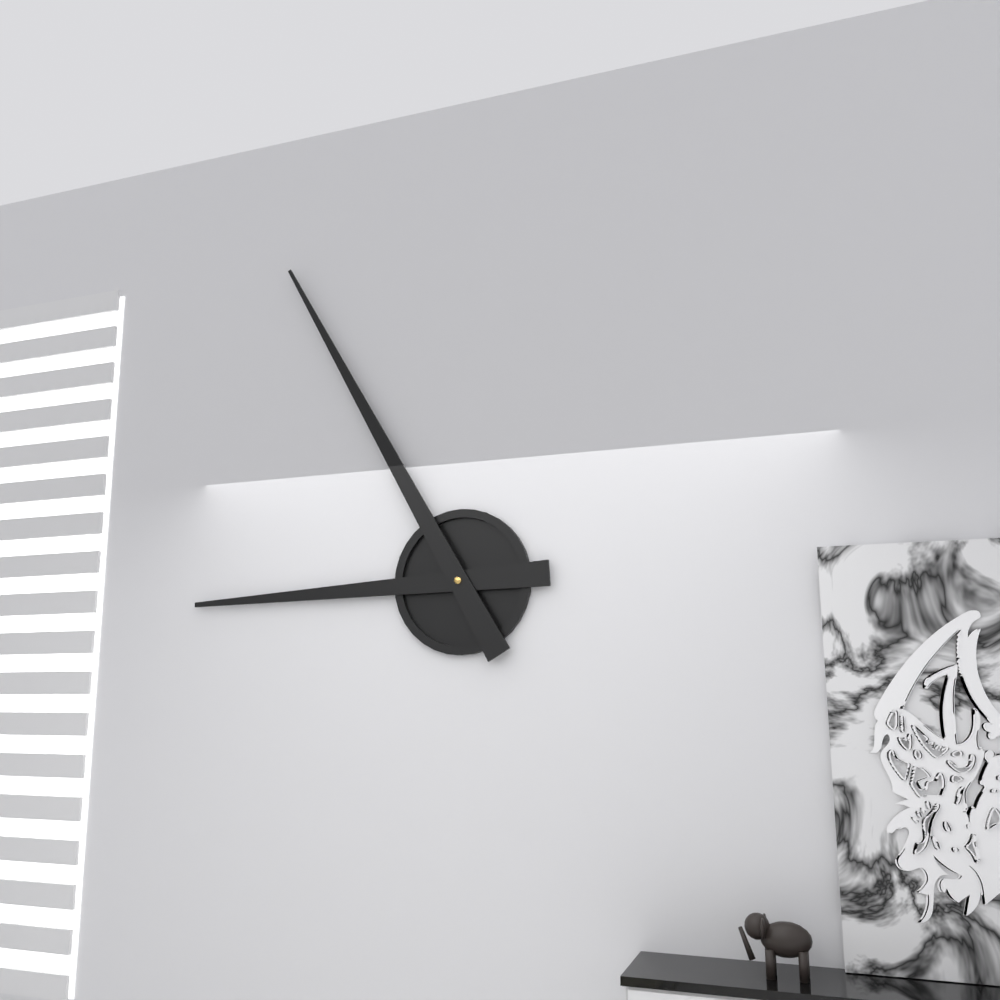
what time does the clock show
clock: 8:55
